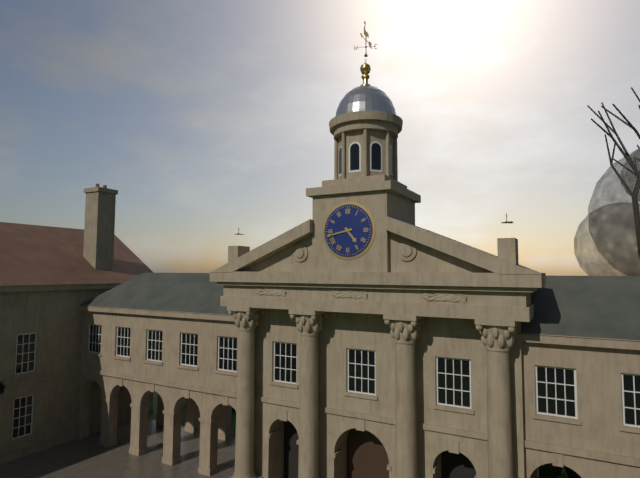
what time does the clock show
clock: 4:43
